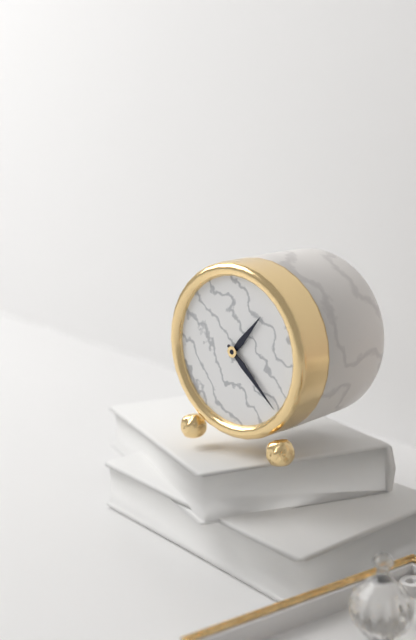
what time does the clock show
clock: 1:22
